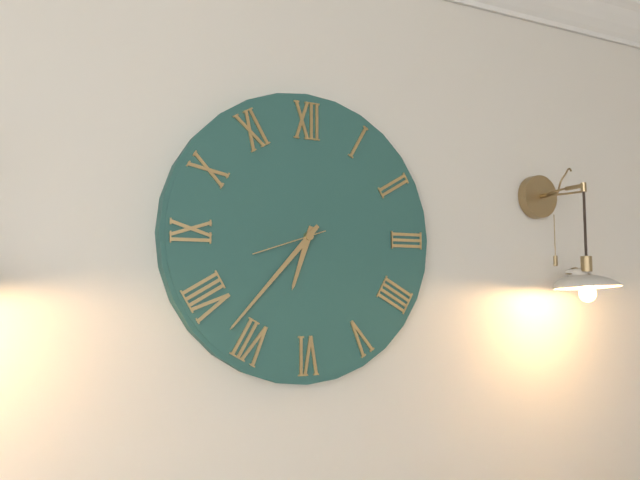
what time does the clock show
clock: 6:37:42
